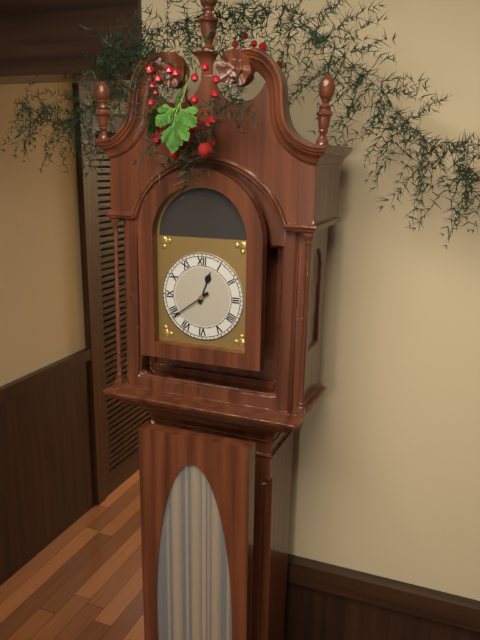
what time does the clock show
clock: 12:39
